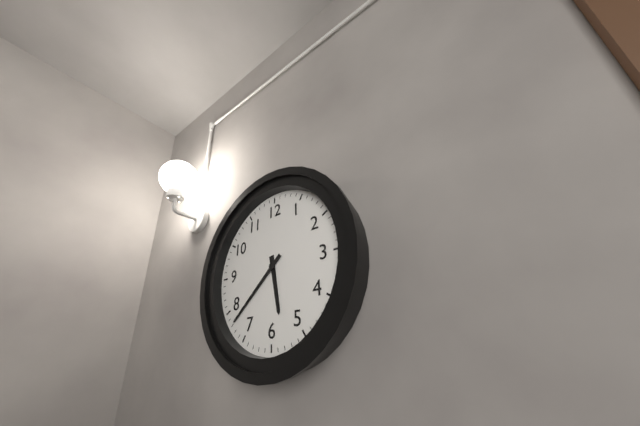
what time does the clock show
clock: 5:38
